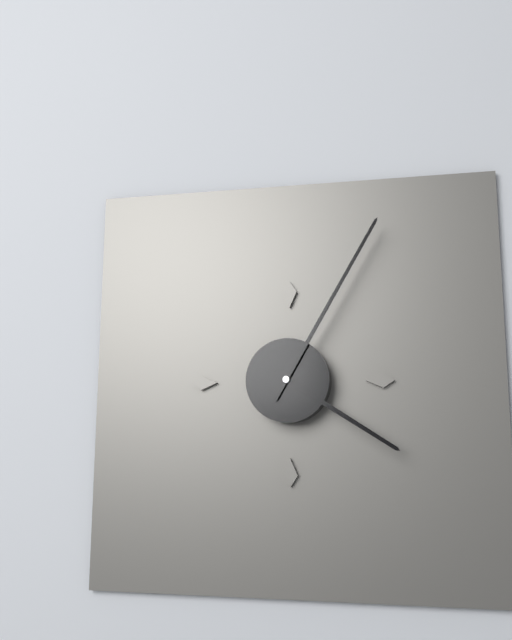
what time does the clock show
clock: 4:05
